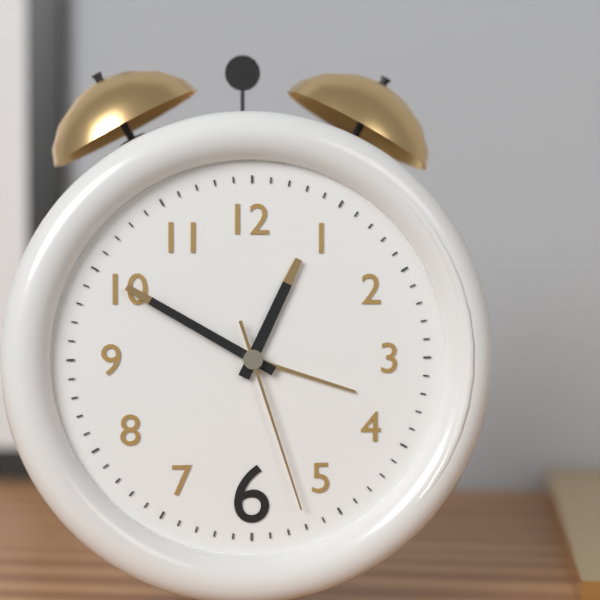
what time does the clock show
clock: 12:50:27
